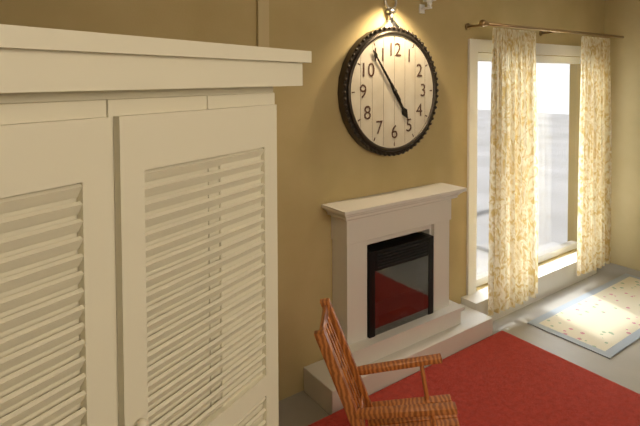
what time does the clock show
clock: 4:54
